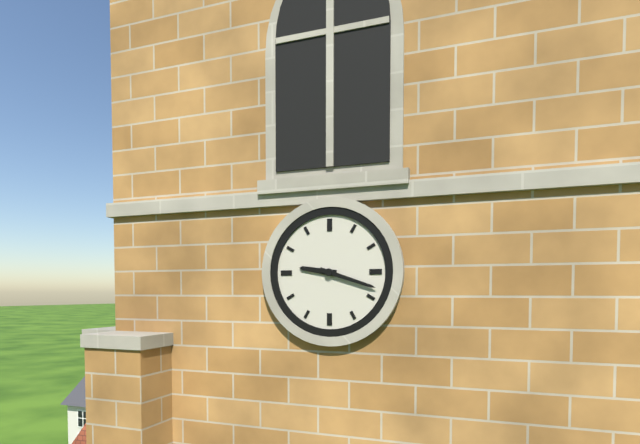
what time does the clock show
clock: 9:18
